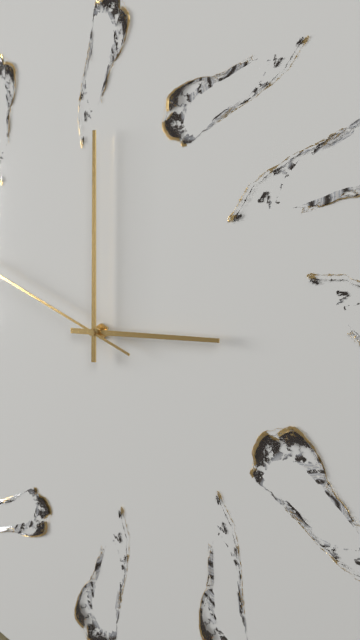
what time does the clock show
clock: 3:00
